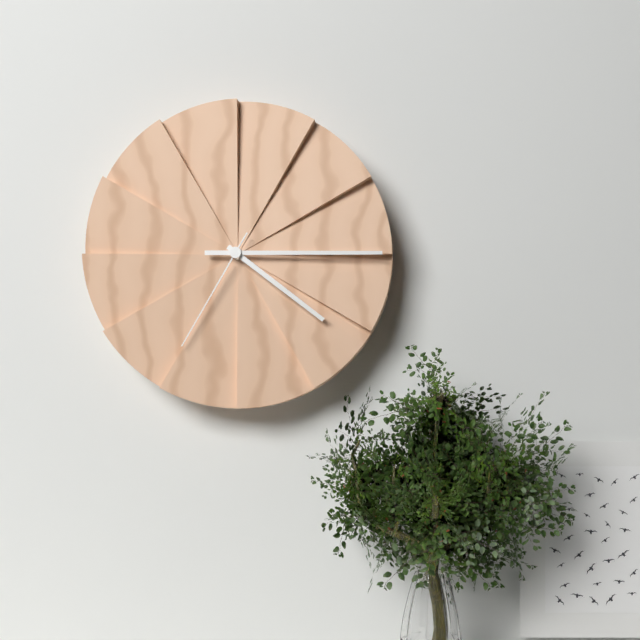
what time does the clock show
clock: 4:15:35
